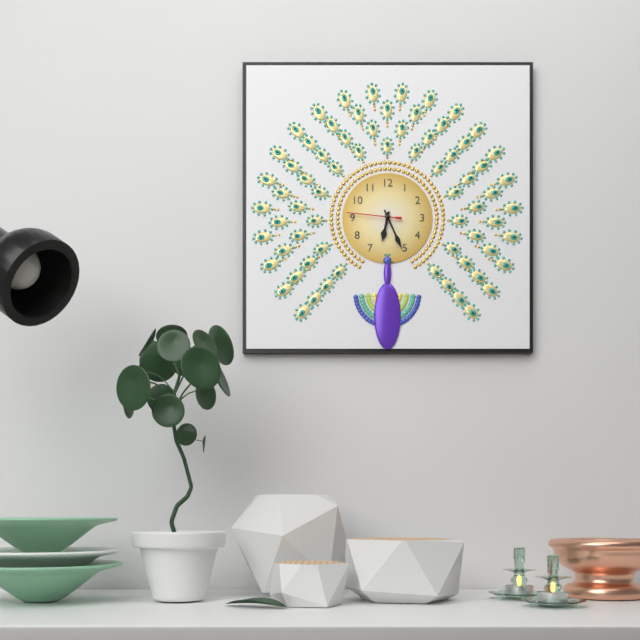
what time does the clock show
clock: 6:26:46
